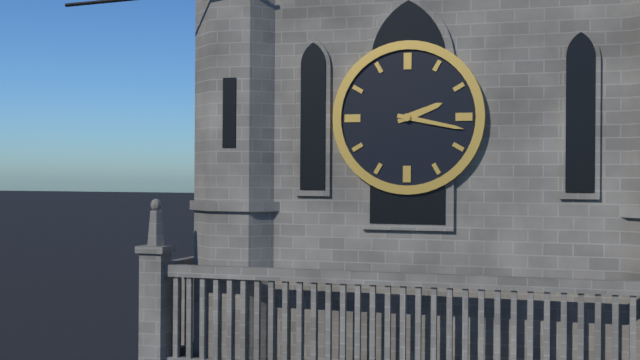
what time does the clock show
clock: 2:17
